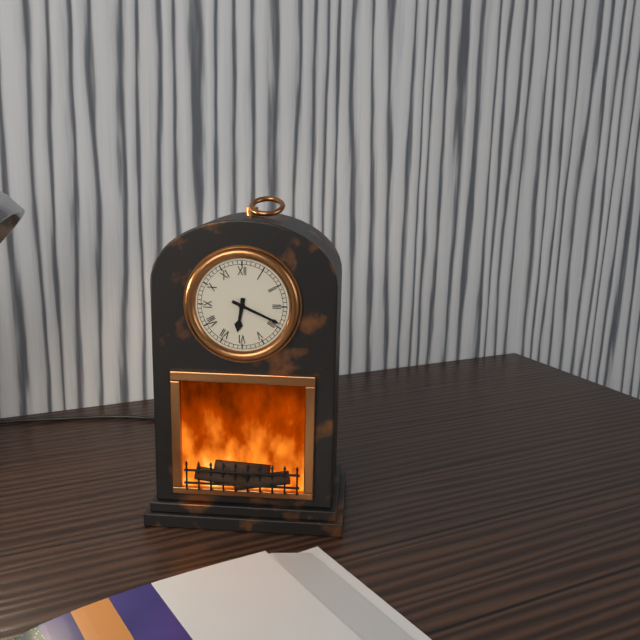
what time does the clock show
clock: 6:19
